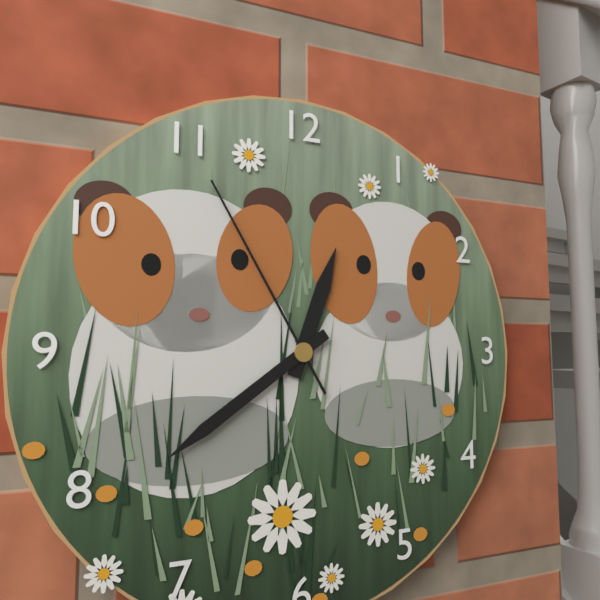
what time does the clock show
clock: 12:39:55
